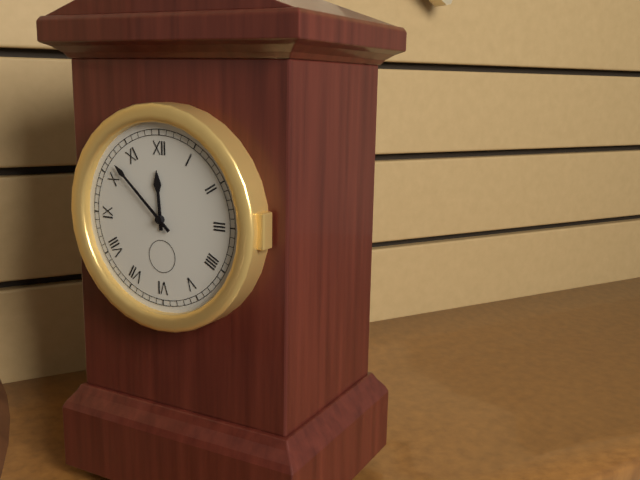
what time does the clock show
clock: 11:52
